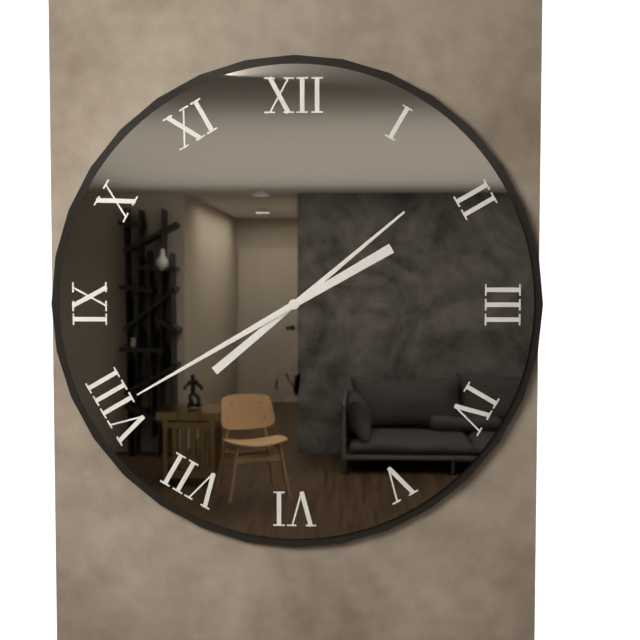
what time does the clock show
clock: 1:40
